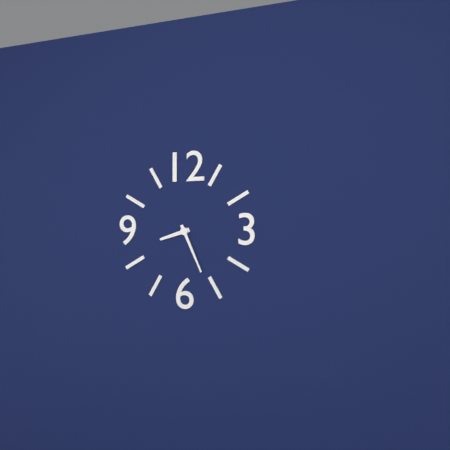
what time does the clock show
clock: 8:26
